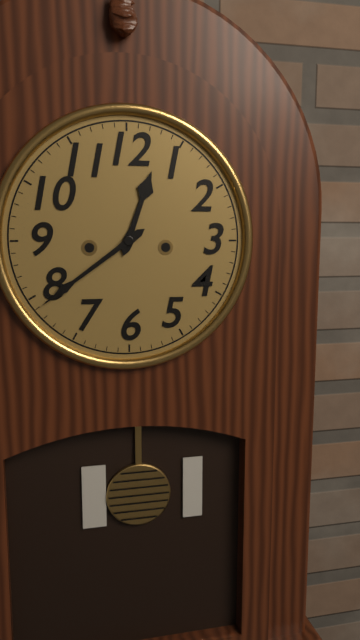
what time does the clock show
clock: 12:39
